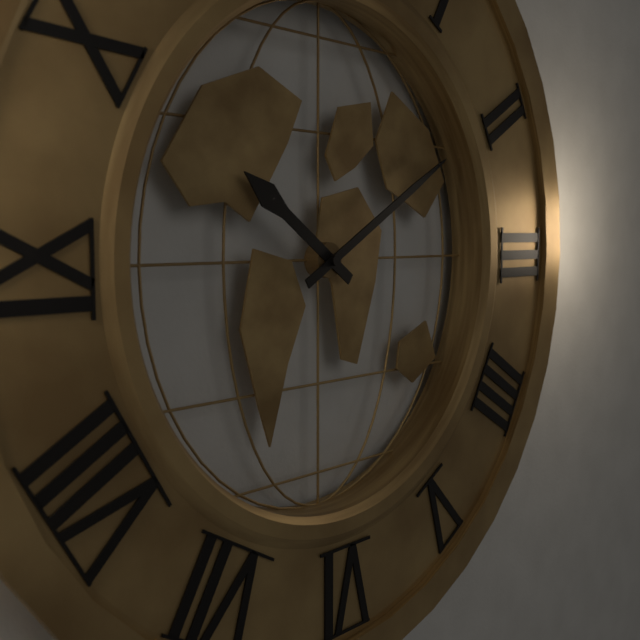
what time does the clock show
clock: 10:10
